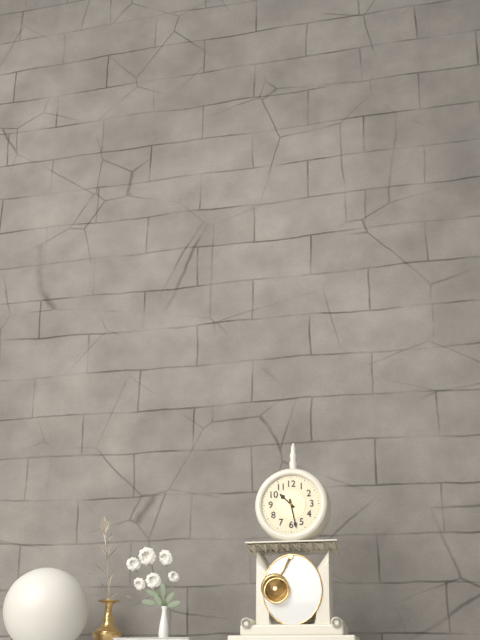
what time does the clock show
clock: 10:28
